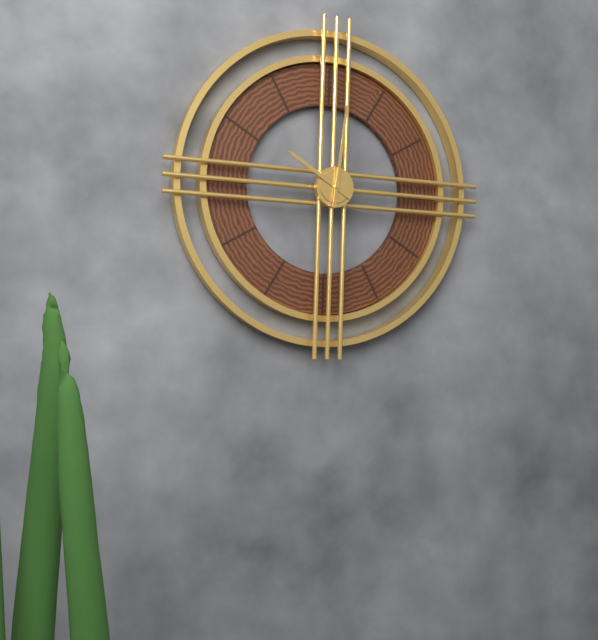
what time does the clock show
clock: 10:01
